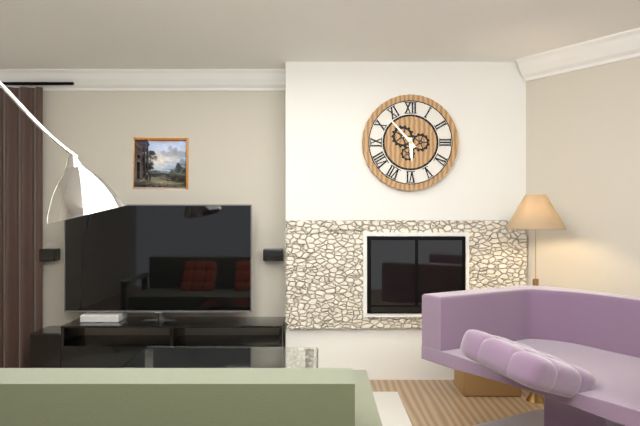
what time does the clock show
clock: 5:53
